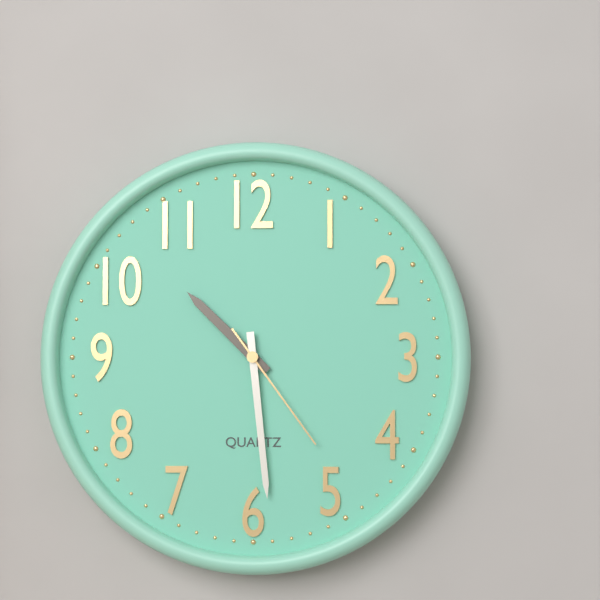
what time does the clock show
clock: 10:29:24
